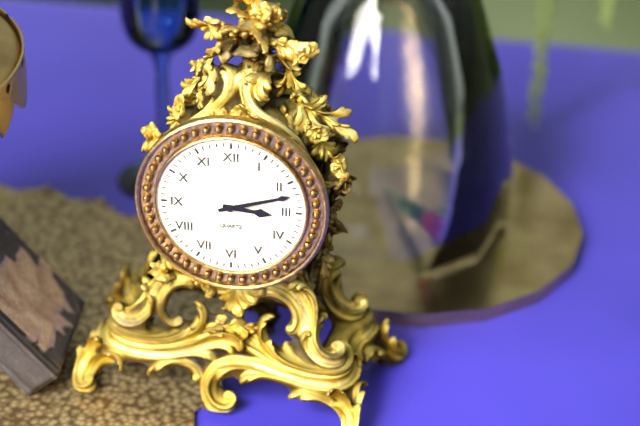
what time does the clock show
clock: 3:12
